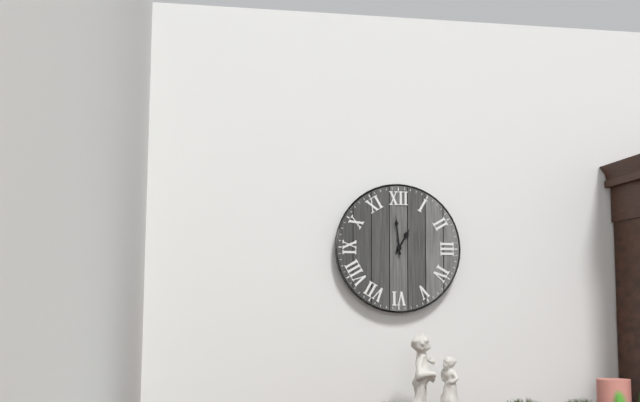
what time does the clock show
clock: 12:59
